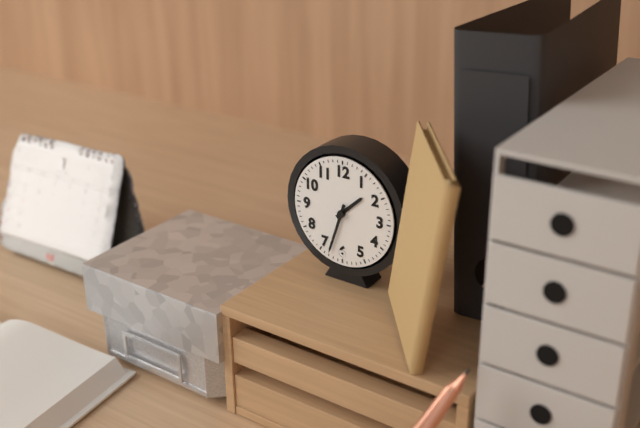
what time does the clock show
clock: 1:33
